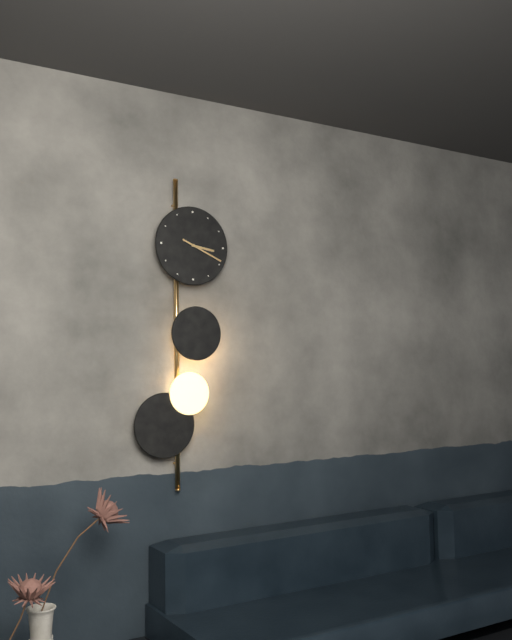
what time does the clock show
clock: 3:19
